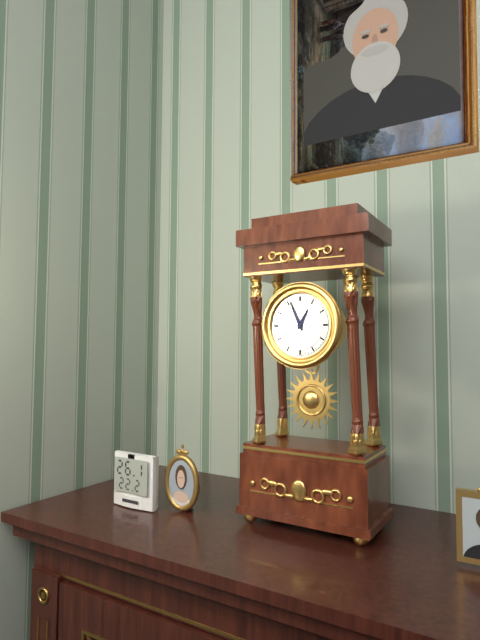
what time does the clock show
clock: 12:56
